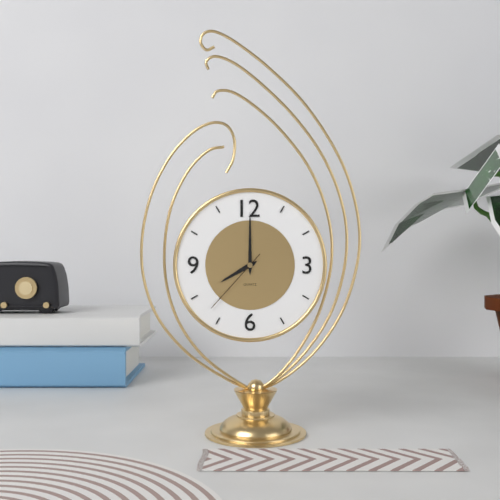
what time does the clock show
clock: 8:00:37
